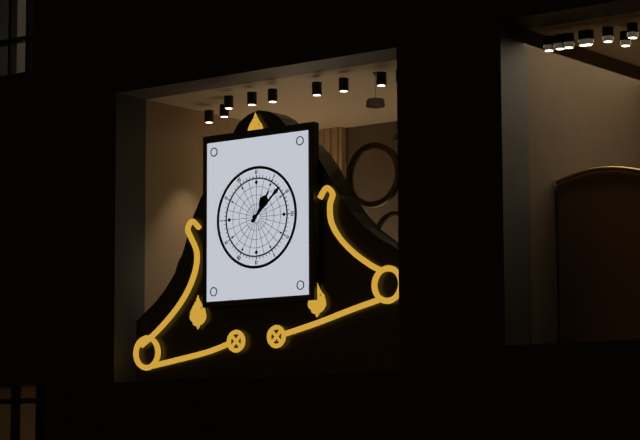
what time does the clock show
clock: 1:08
